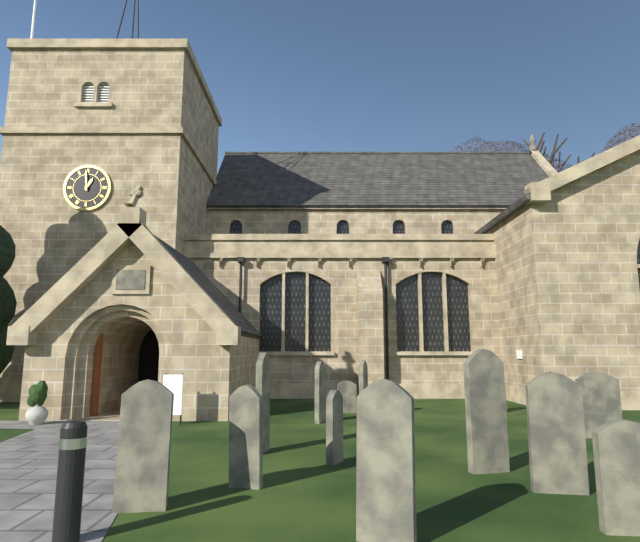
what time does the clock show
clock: 12:59
